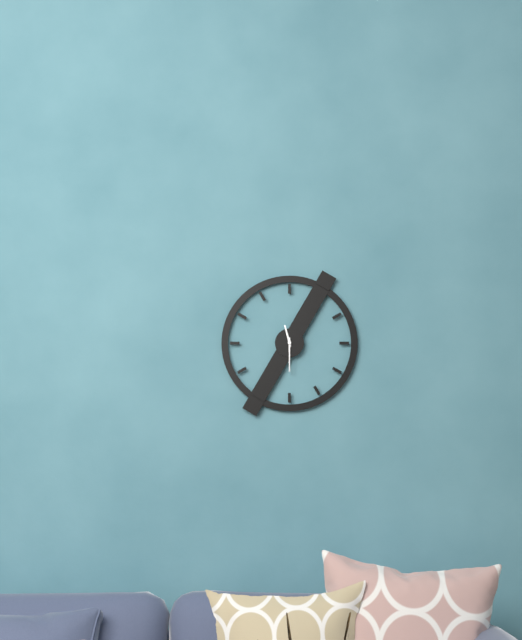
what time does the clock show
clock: 11:30
